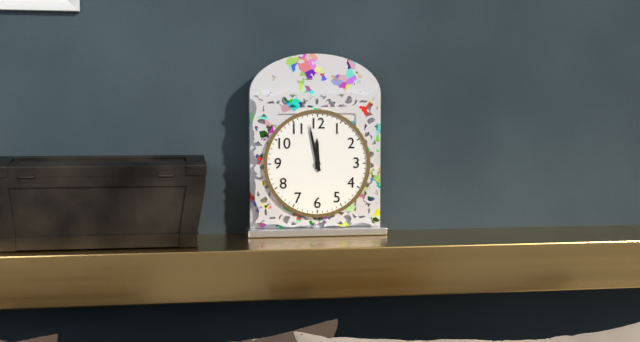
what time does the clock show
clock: 11:58
